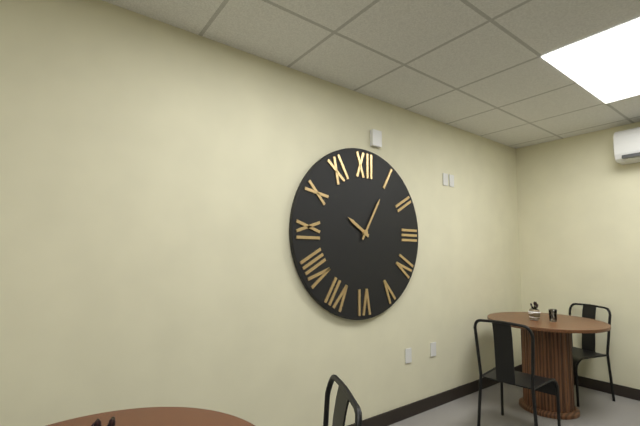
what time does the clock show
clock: 10:05
